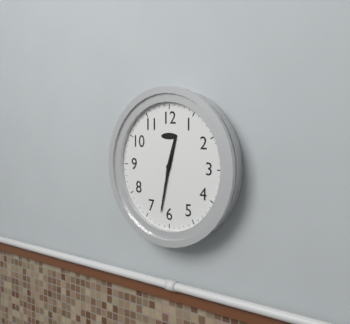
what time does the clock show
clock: 12:32
